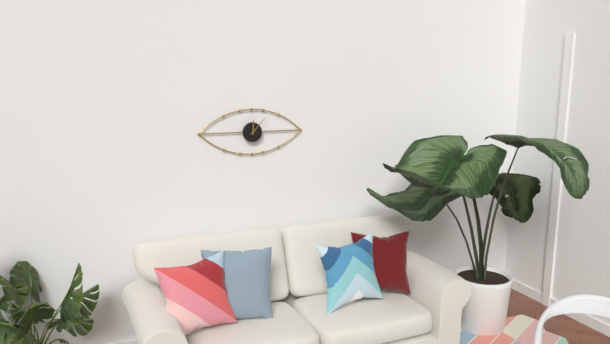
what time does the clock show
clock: 12:07
